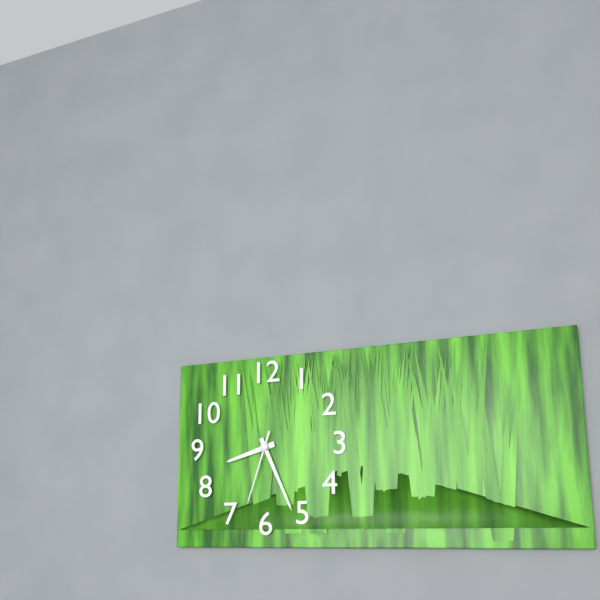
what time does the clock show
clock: 8:26:33
